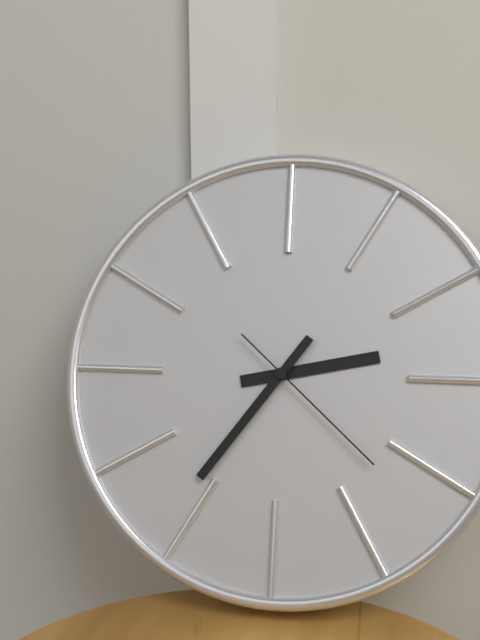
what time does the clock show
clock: 2:36:22
